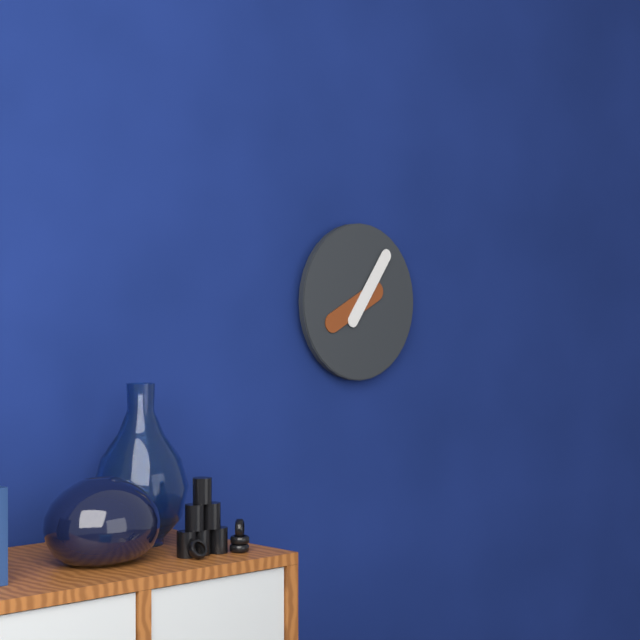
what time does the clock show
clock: 8:06
